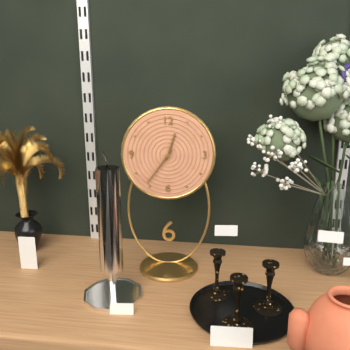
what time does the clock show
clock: 12:36
